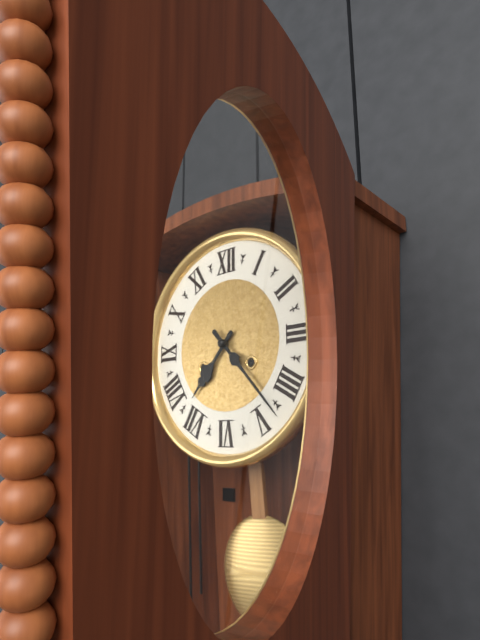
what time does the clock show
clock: 7:23
